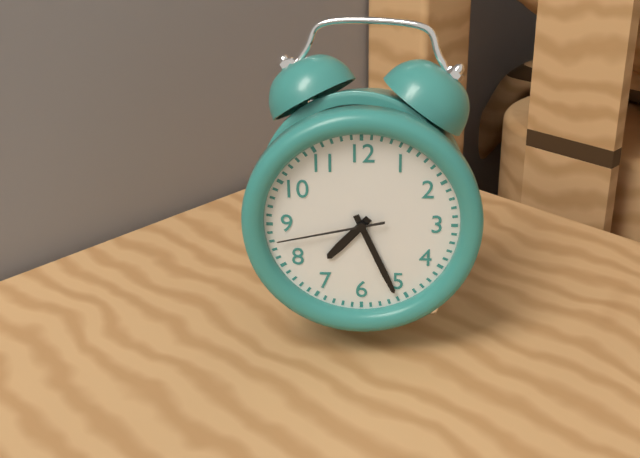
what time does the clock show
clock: 7:26:43
